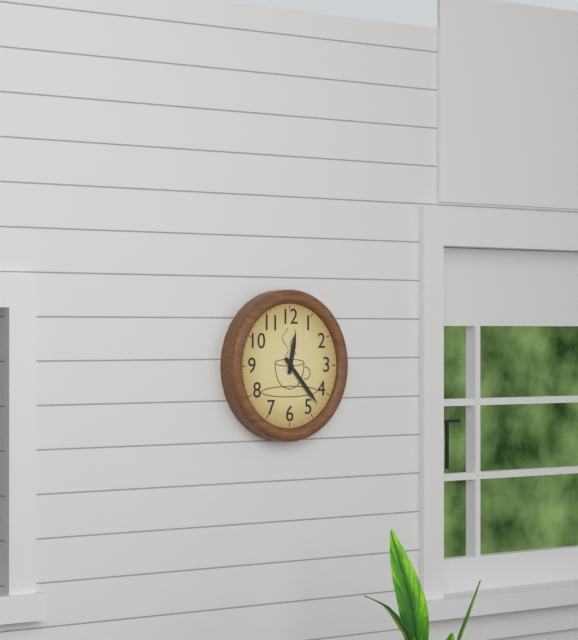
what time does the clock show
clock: 12:23
